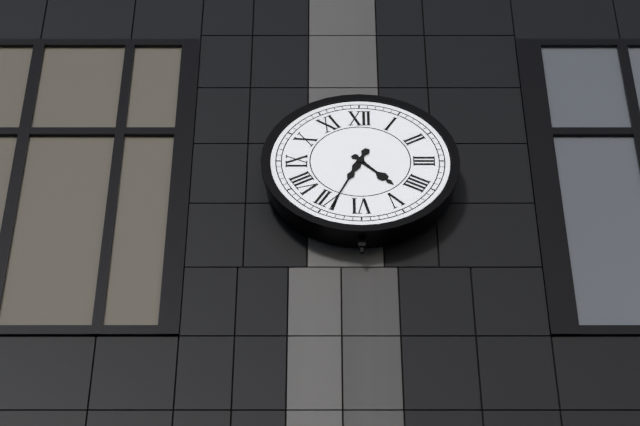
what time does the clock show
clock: 4:34
